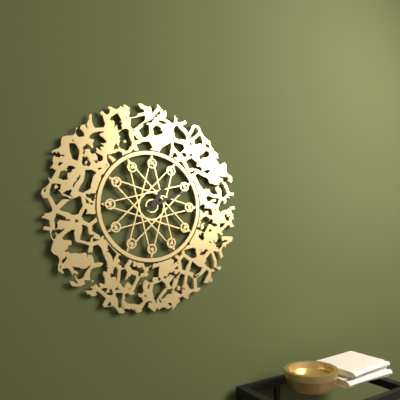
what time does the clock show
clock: 1:11
